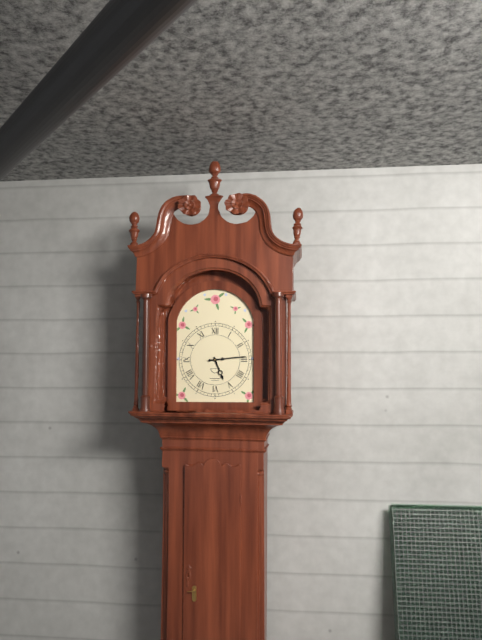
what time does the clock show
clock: 5:14
